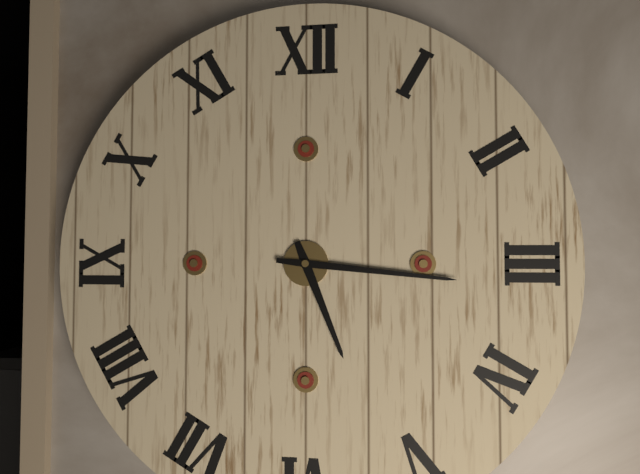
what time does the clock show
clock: 5:16
